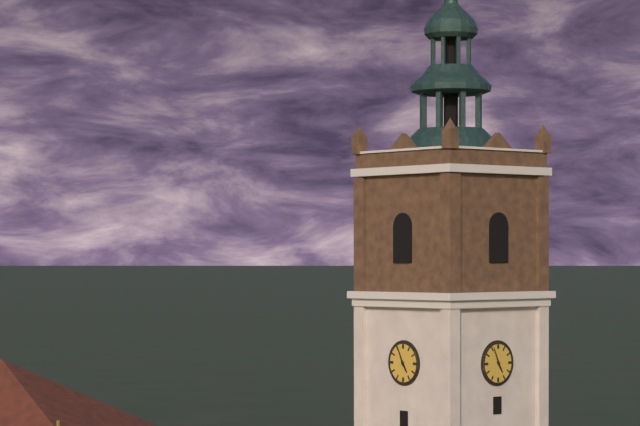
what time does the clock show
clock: 4:56
